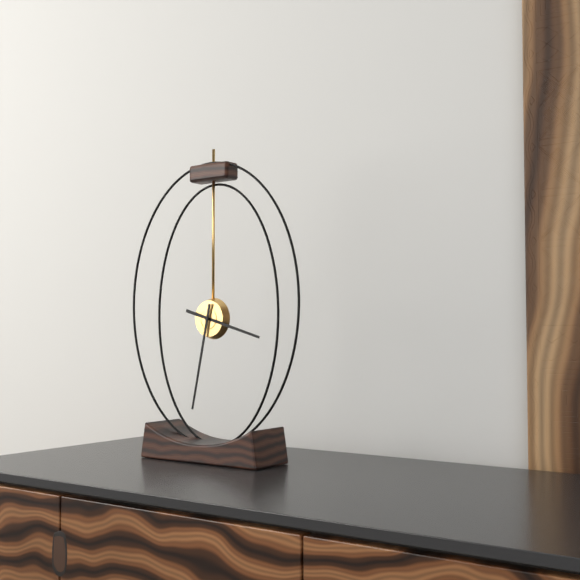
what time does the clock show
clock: 3:32
